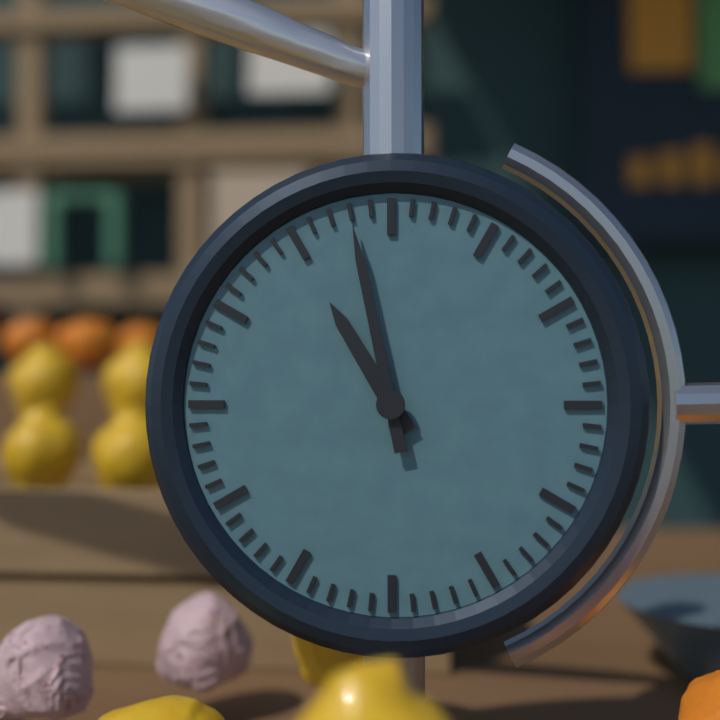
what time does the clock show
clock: 10:58
